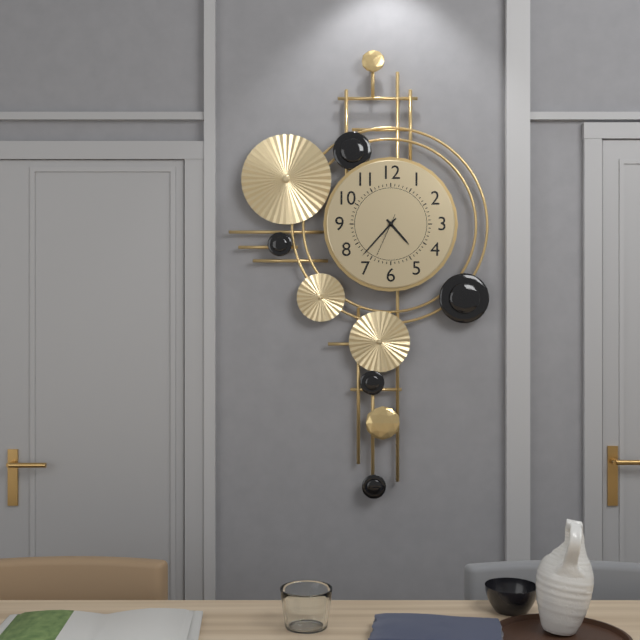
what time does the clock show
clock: 4:37
